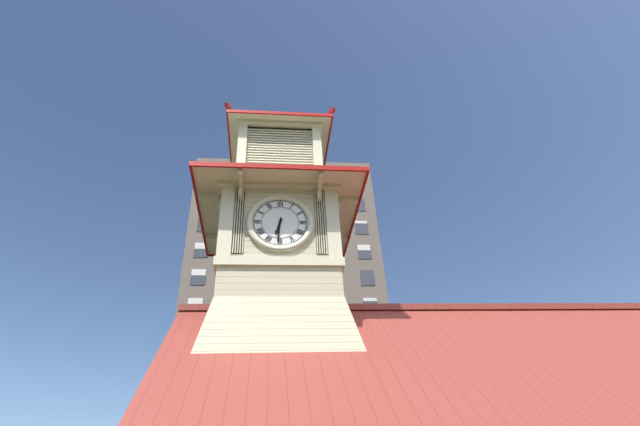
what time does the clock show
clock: 6:31
